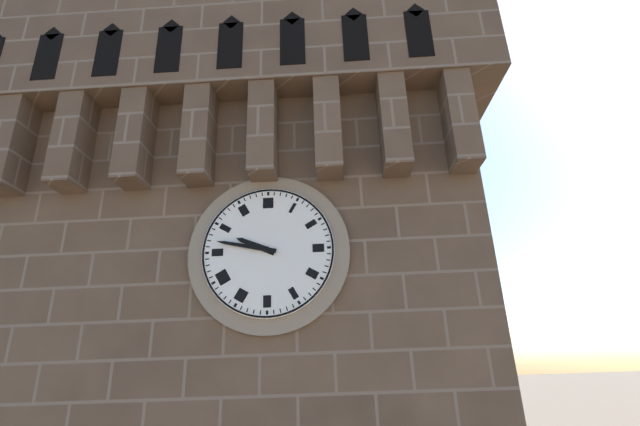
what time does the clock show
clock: 9:47
